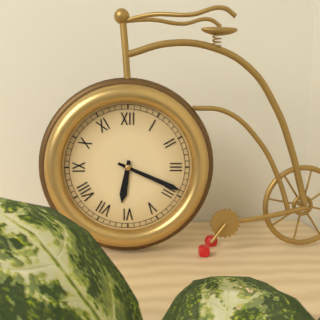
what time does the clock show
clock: 6:19
